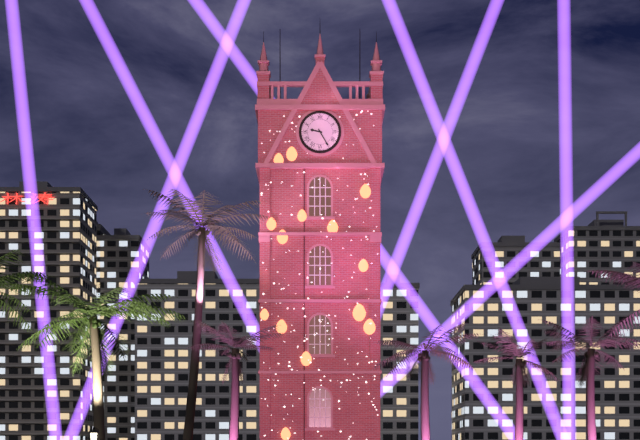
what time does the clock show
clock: 9:25
